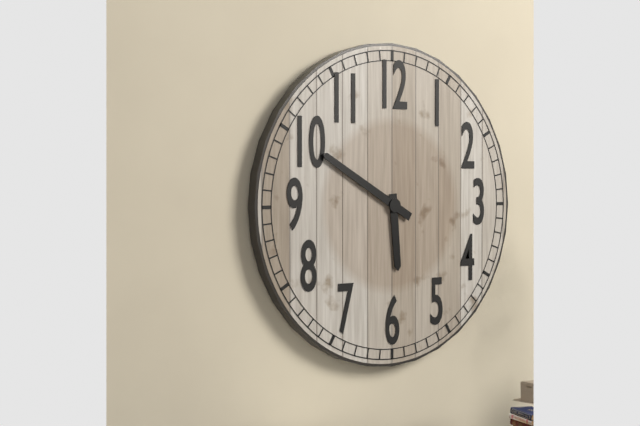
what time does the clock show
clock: 5:50
